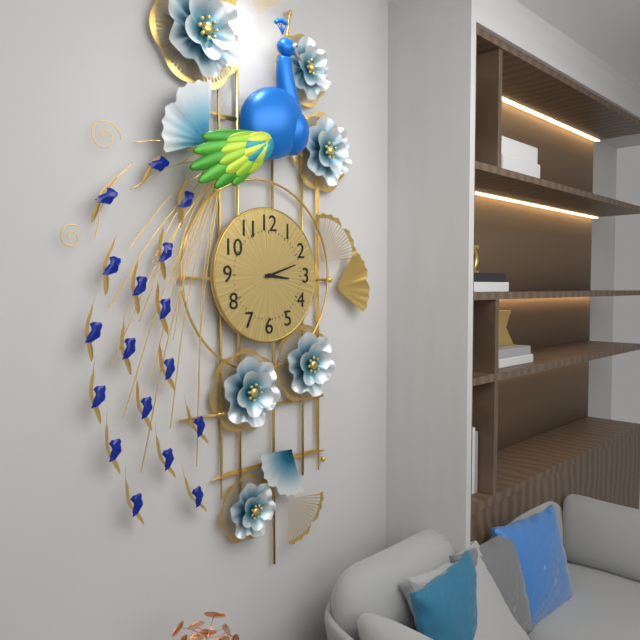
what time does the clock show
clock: 3:12
